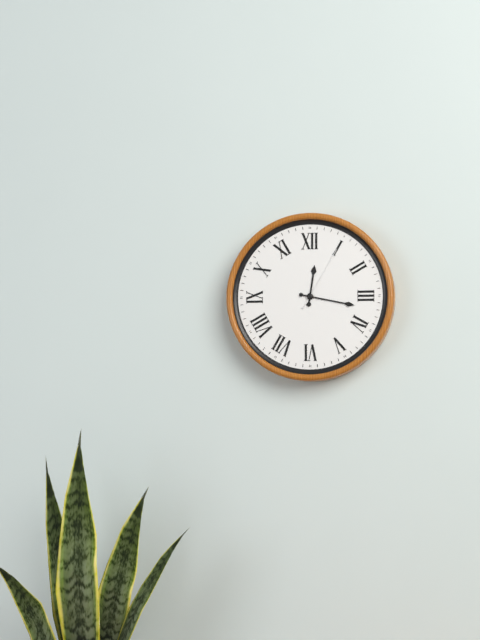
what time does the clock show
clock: 12:17:05
